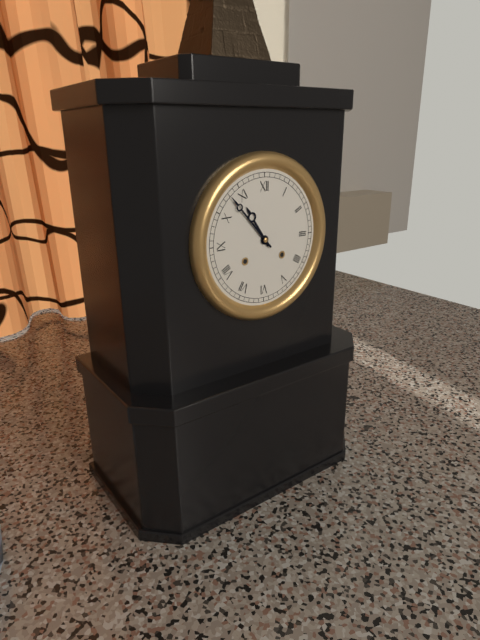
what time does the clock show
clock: 10:53
